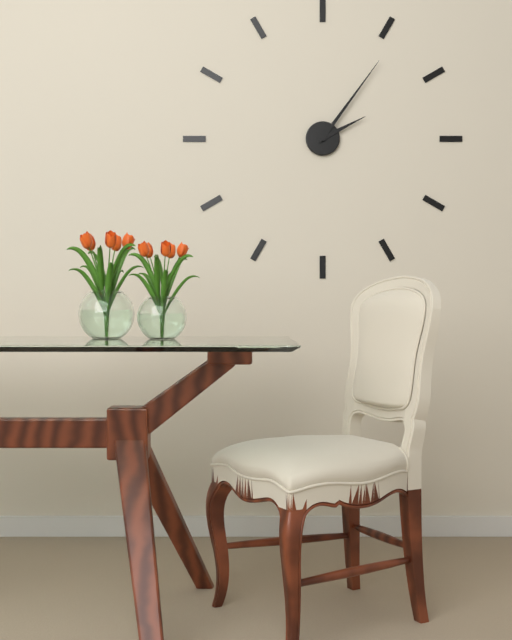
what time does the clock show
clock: 2:06
